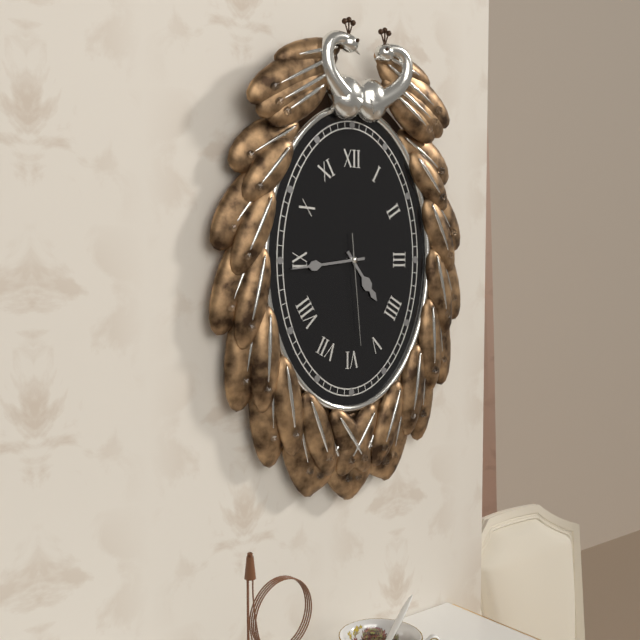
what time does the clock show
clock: 4:44:29
